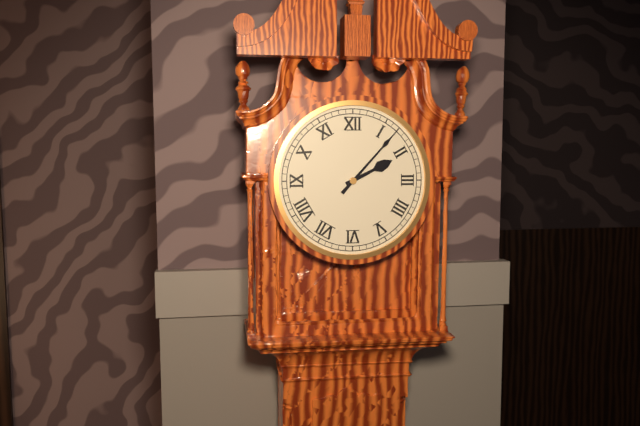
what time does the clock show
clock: 2:07
